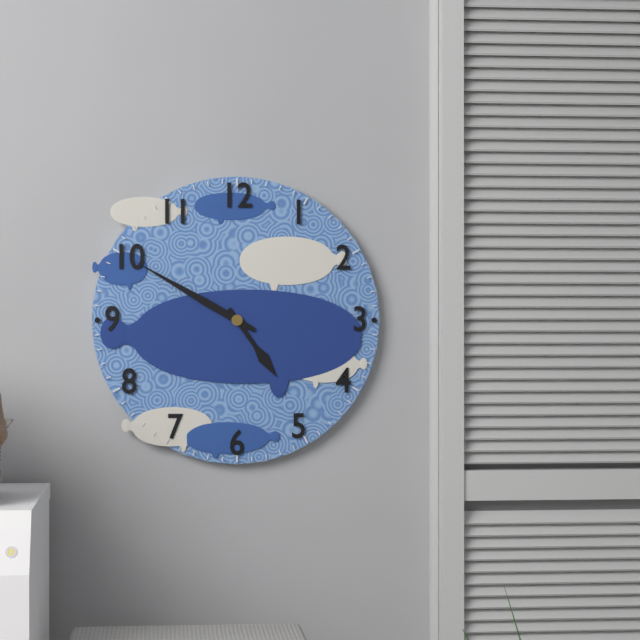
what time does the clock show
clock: 4:50
